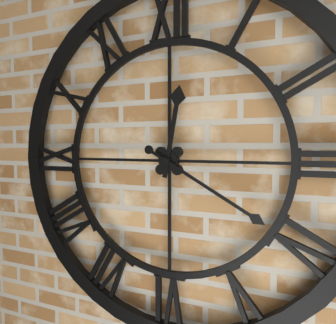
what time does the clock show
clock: 12:20
